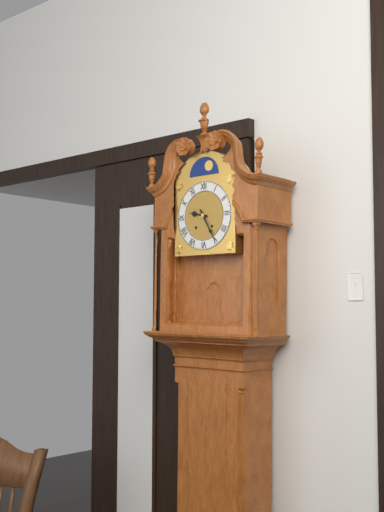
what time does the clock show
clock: 9:25
